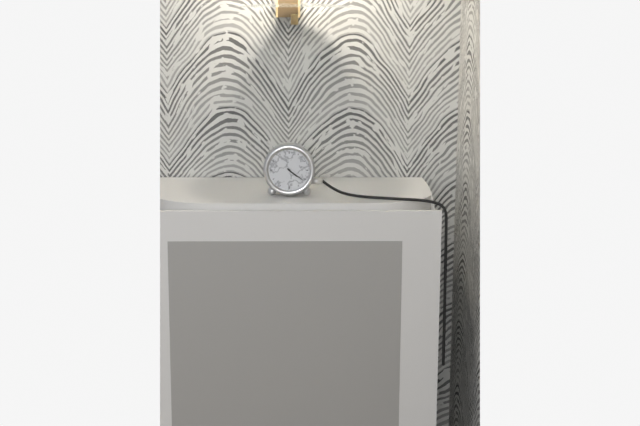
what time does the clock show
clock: 4:21
